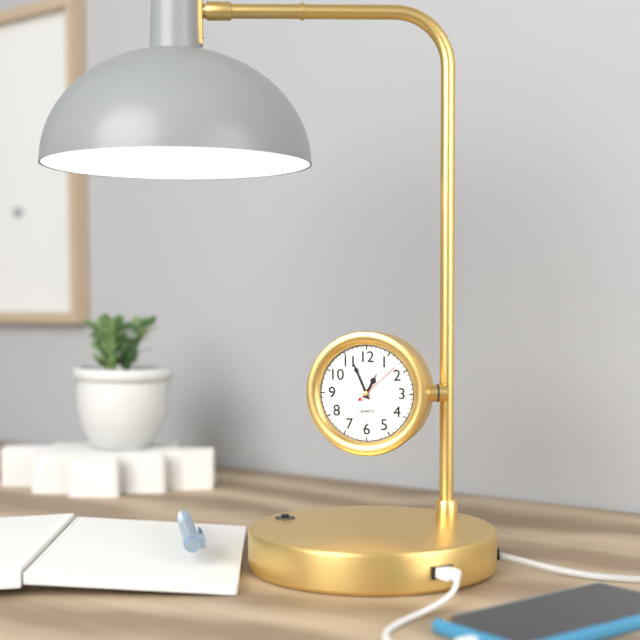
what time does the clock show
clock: 12:56
